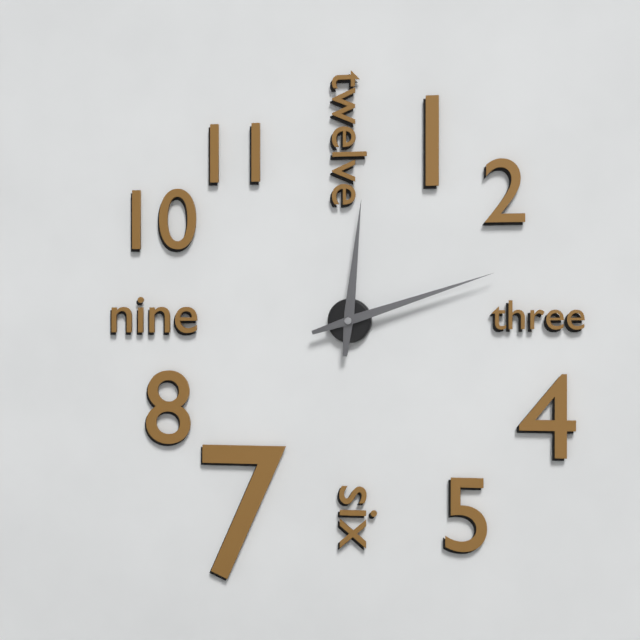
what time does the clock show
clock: 12:12
